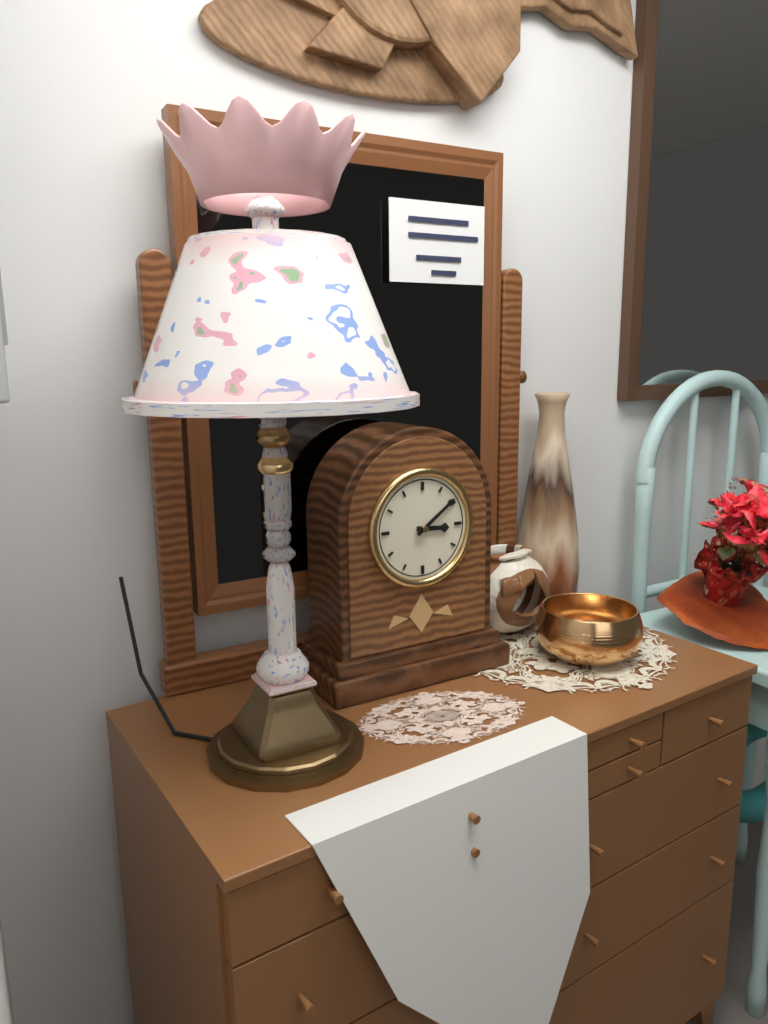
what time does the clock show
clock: 3:09
